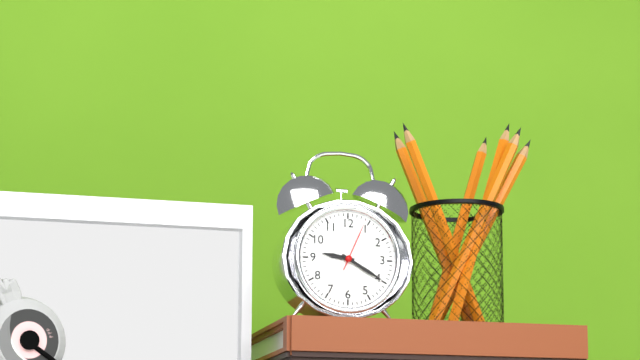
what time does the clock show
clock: 9:20:04
